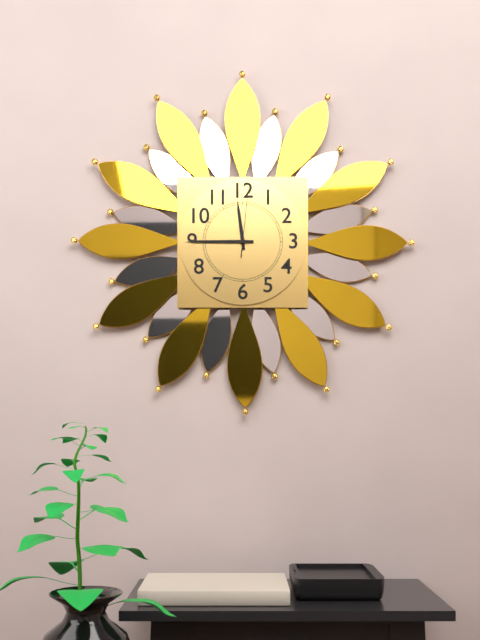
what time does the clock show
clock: 11:45:01
